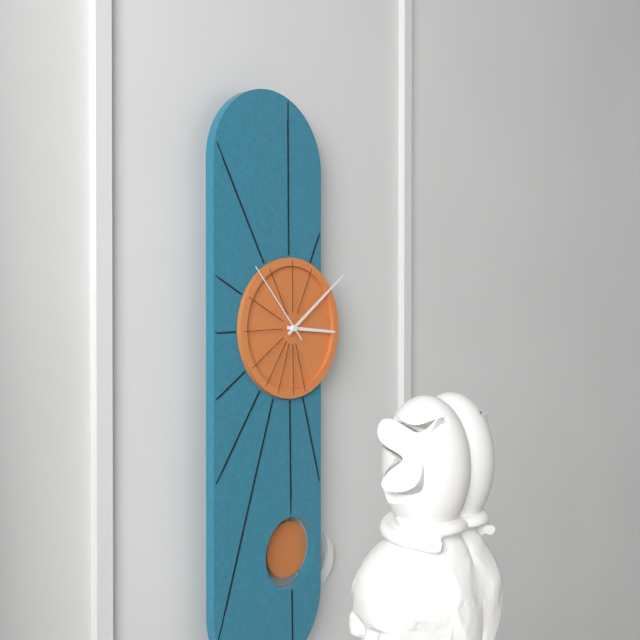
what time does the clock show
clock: 3:09:53
